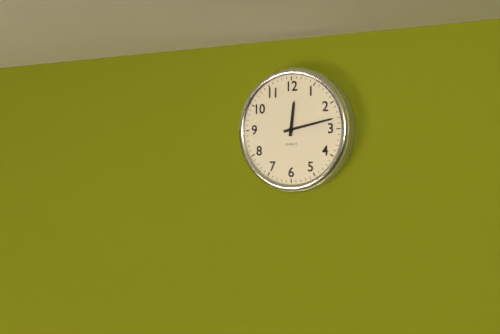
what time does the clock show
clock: 12:13
